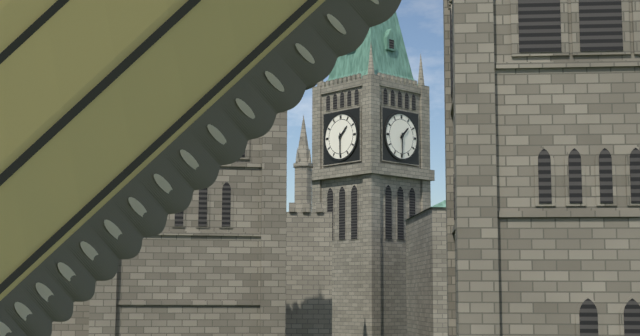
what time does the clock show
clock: 1:30
